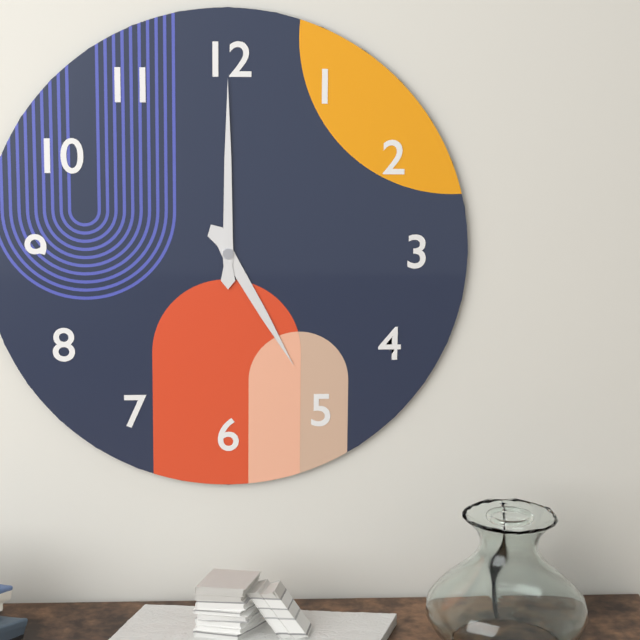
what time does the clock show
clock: 5:00
